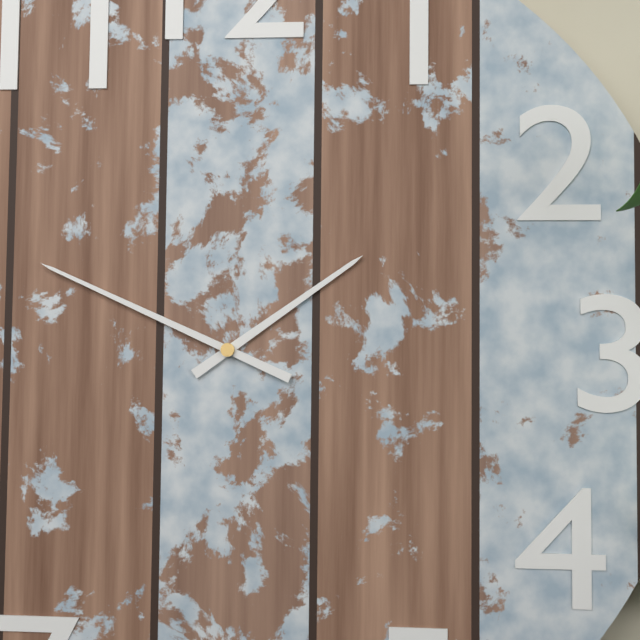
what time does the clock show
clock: 1:49
